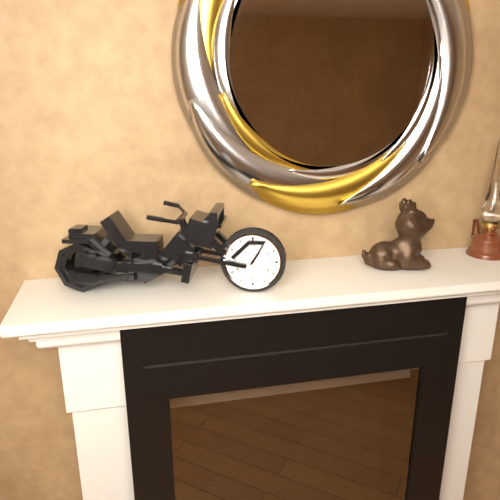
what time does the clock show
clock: 1:05
